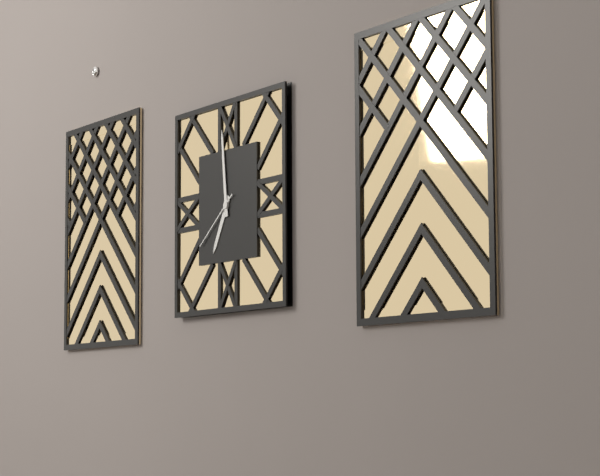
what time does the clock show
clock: 6:59:39
